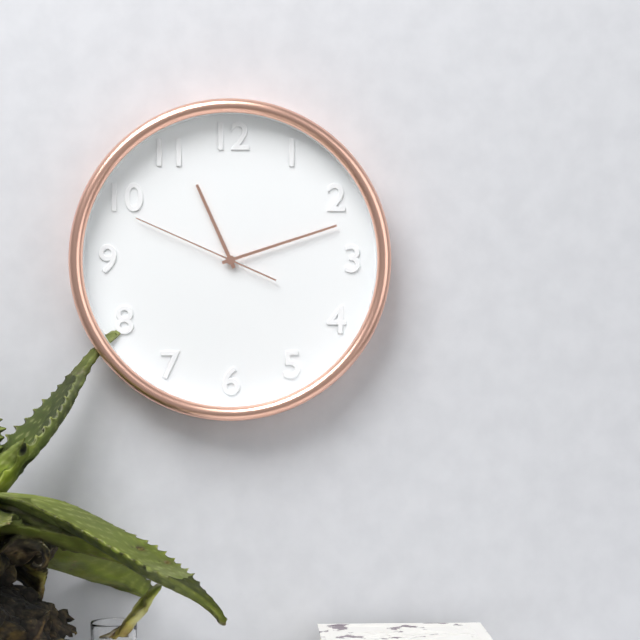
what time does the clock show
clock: 11:12:49
